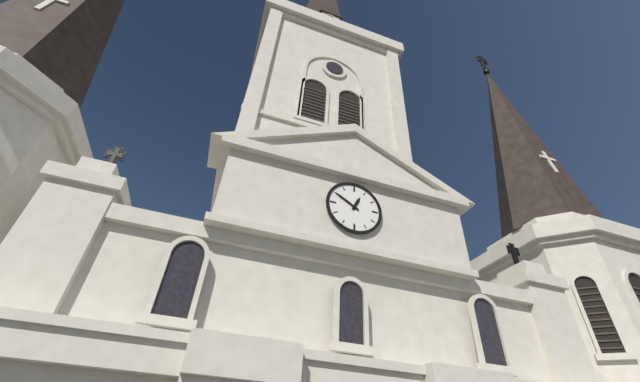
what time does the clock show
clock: 12:50
